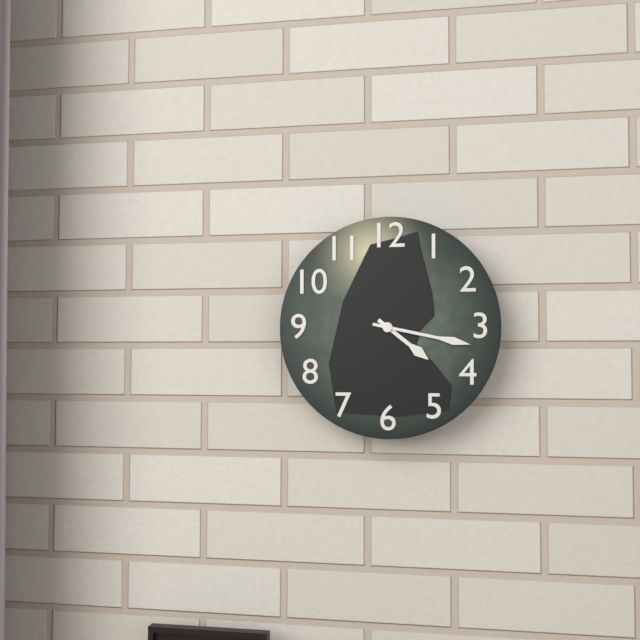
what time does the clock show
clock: 4:17
